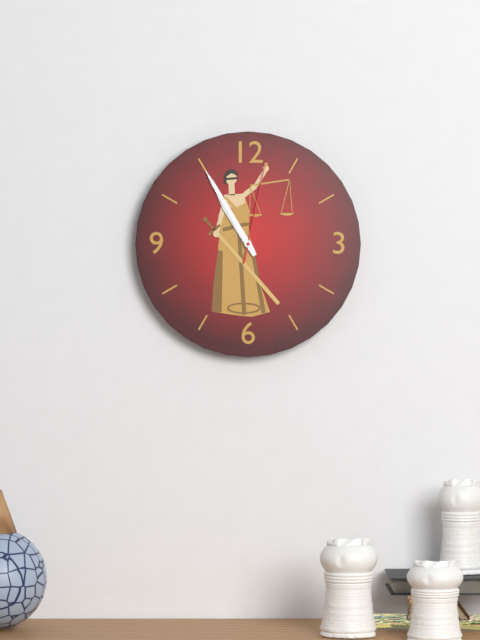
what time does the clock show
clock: 10:55:02
